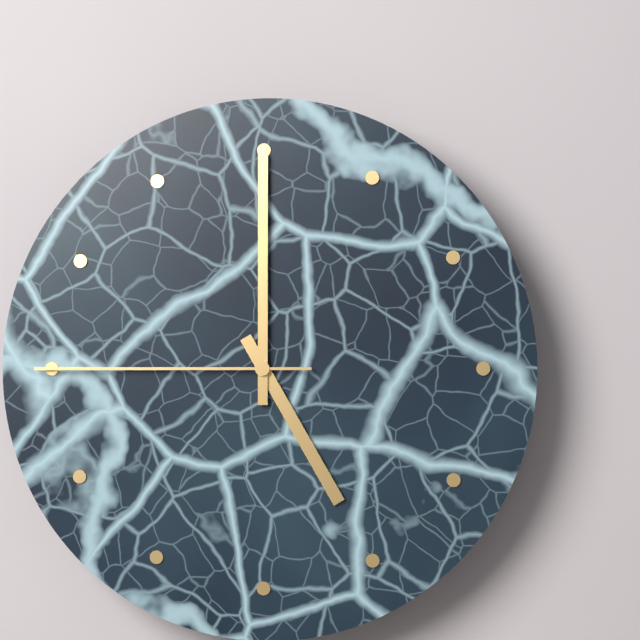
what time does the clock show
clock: 5:00:45
